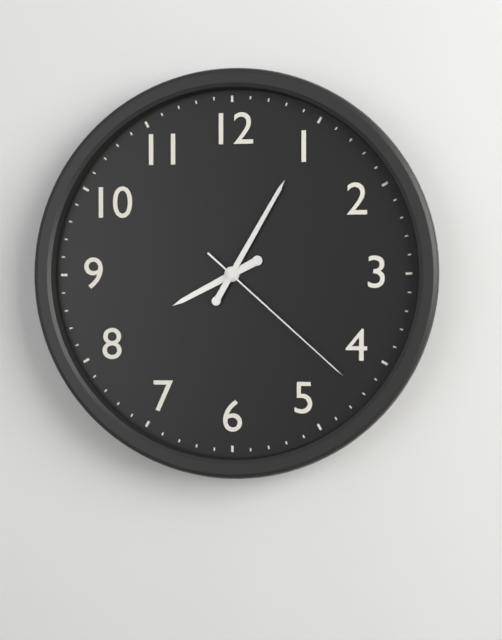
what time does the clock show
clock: 8:05:22
